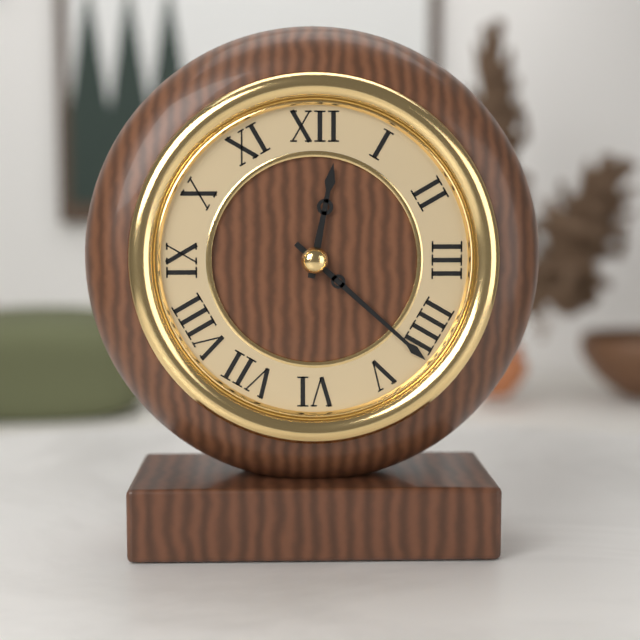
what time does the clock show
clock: 12:22
